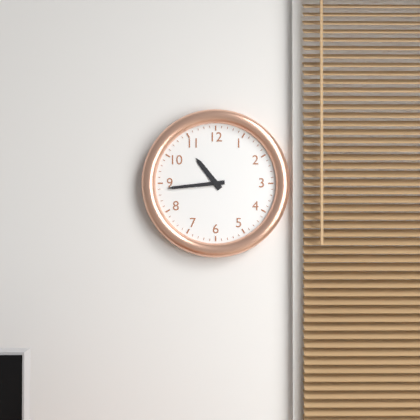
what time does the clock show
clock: 10:44
